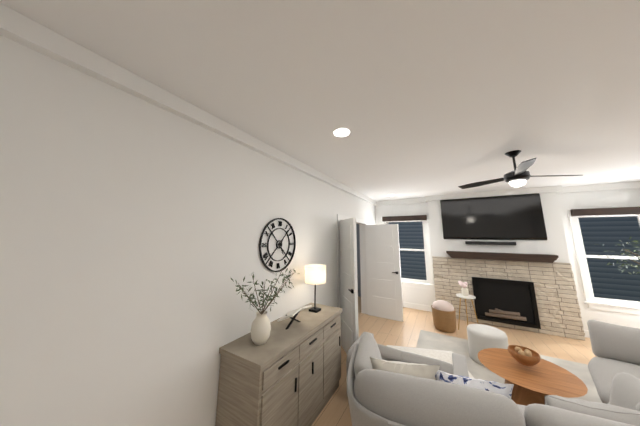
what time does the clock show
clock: 5:06
